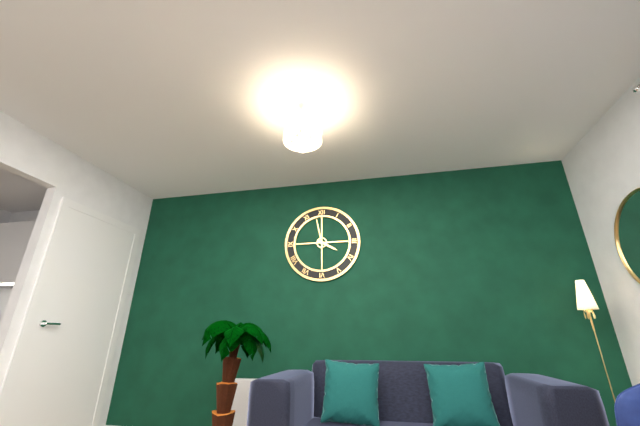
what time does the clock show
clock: 3:58
